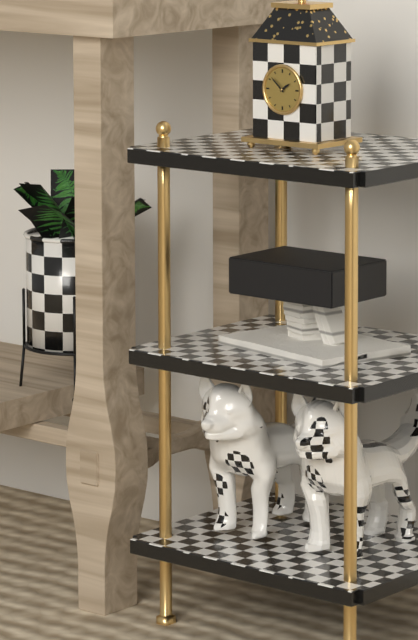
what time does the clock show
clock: 1:52
